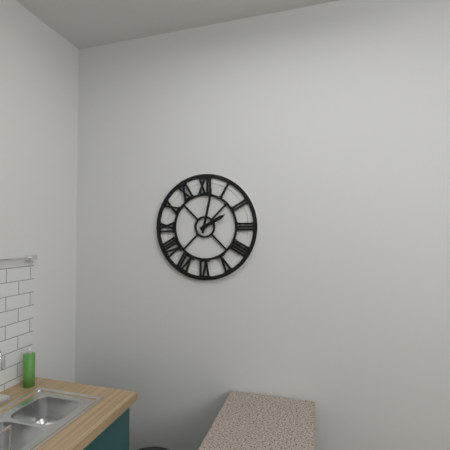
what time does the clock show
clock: 2:02
